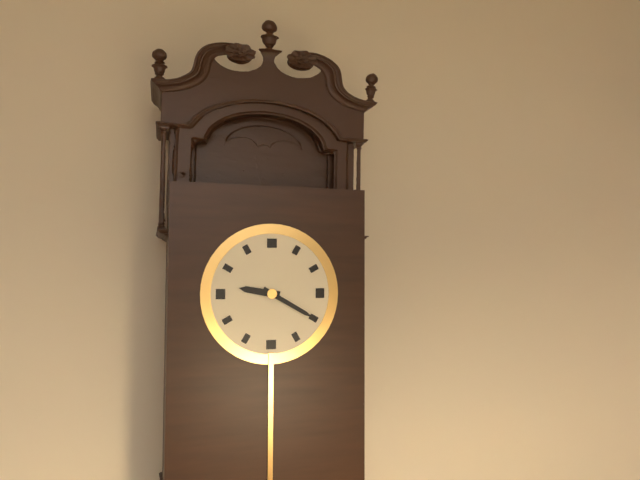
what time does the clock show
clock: 9:20
